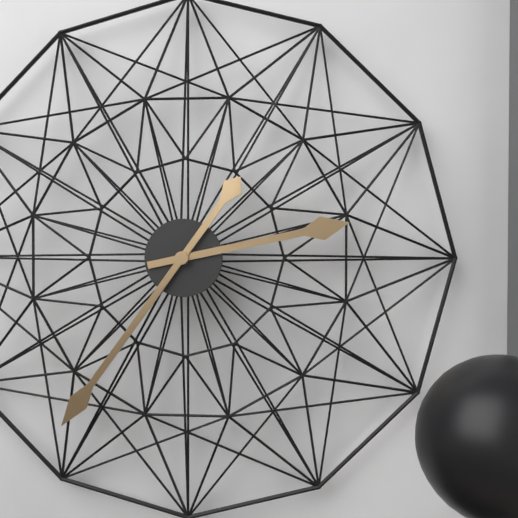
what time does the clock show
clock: 2:36
